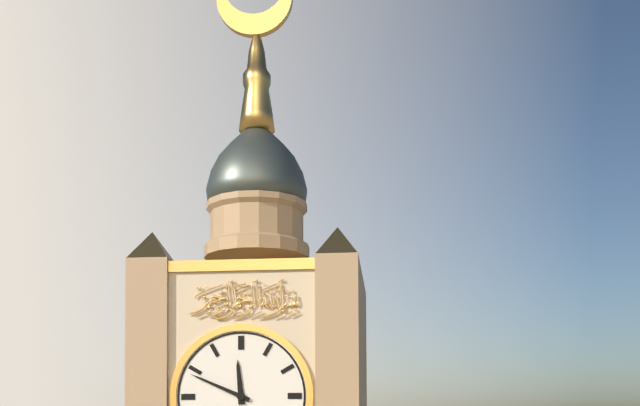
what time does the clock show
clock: 11:49
